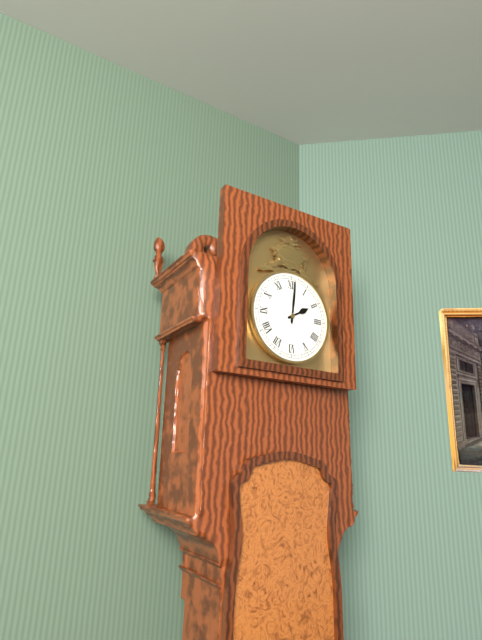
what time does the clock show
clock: 2:01
